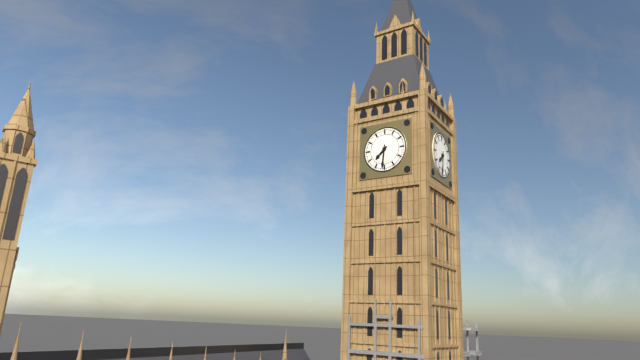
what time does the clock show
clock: 7:31
